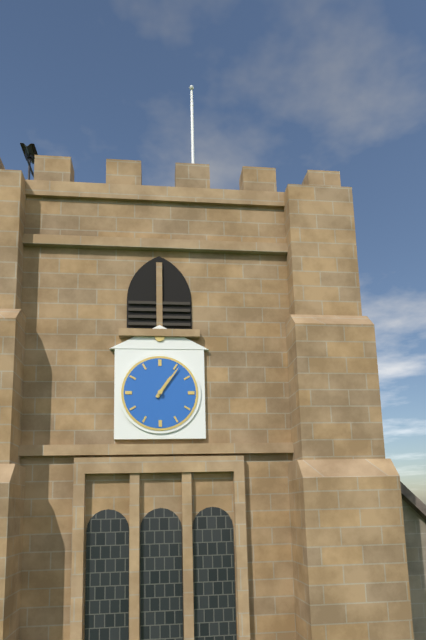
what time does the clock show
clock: 1:06
